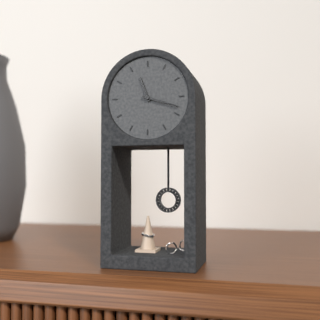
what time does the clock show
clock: 11:18
